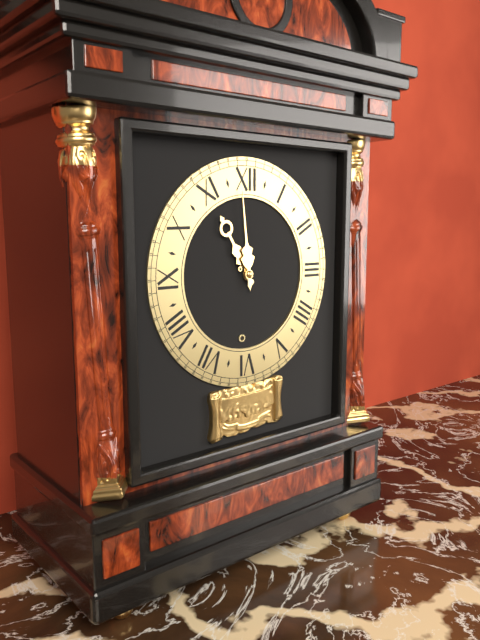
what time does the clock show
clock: 10:59
